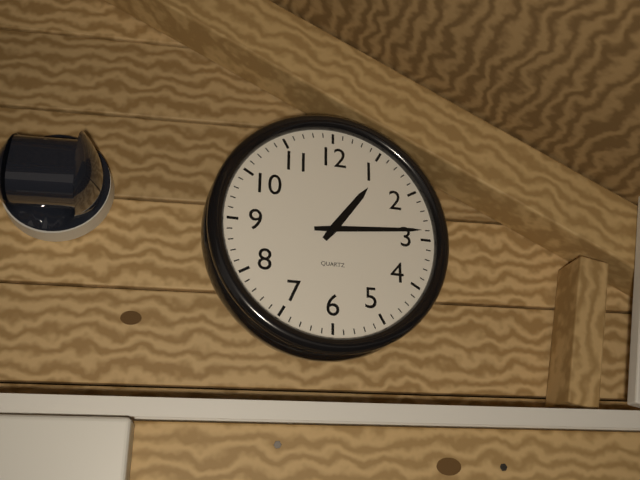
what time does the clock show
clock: 1:14
